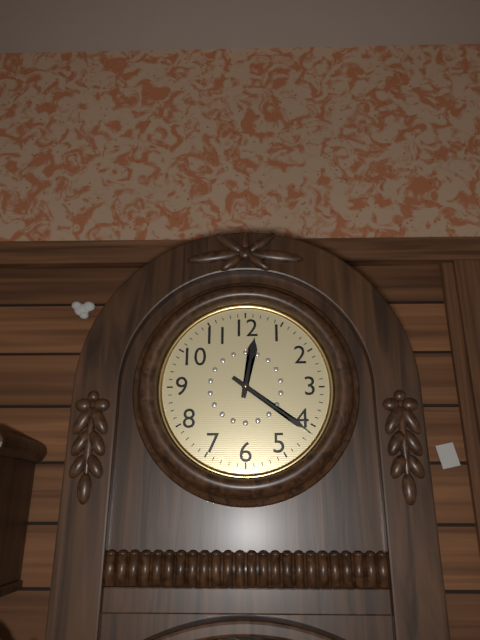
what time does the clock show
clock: 12:21
